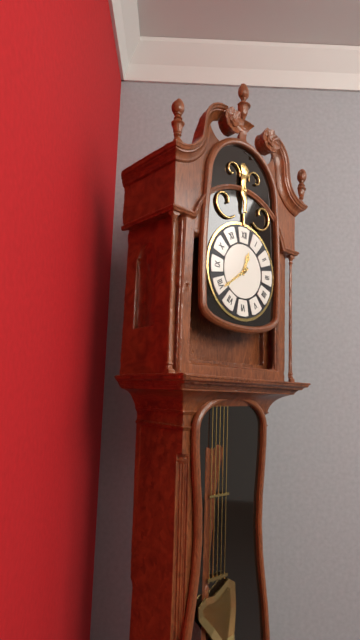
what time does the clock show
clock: 12:39
